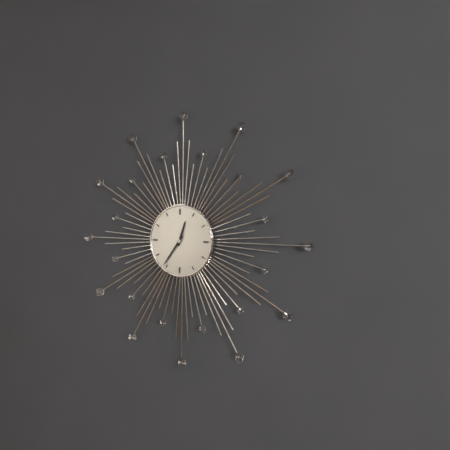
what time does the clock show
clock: 12:36
